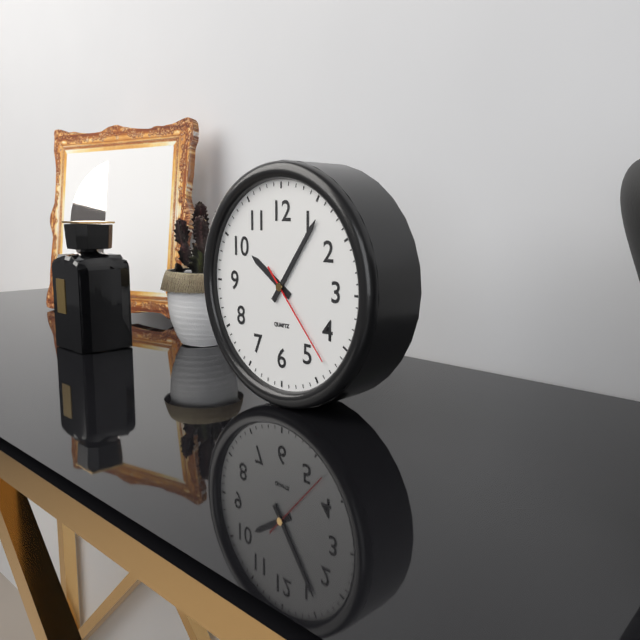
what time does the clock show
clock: 10:06:23
